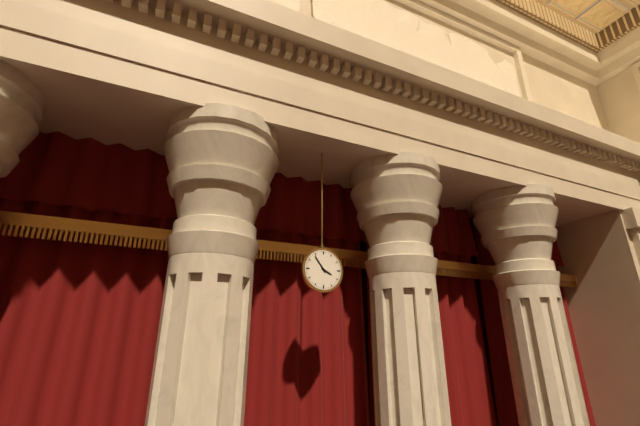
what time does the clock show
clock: 3:54
